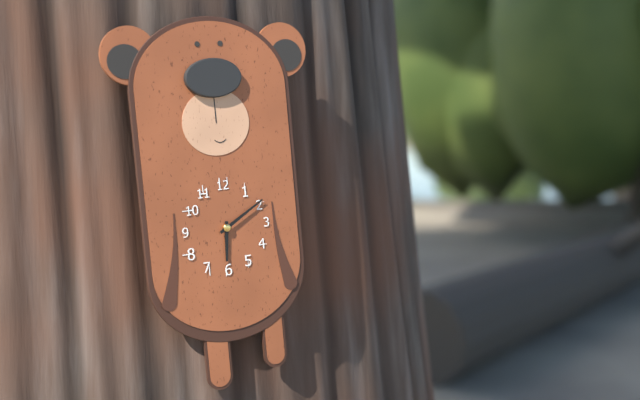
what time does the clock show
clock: 6:10
